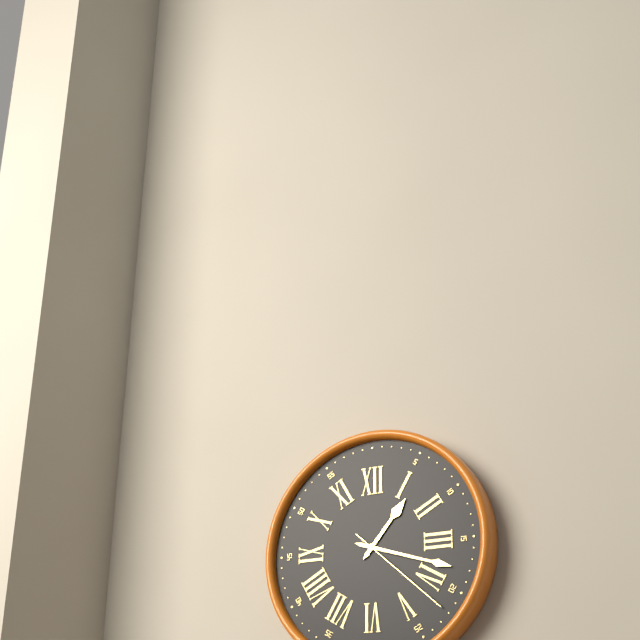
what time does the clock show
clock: 1:18:22
